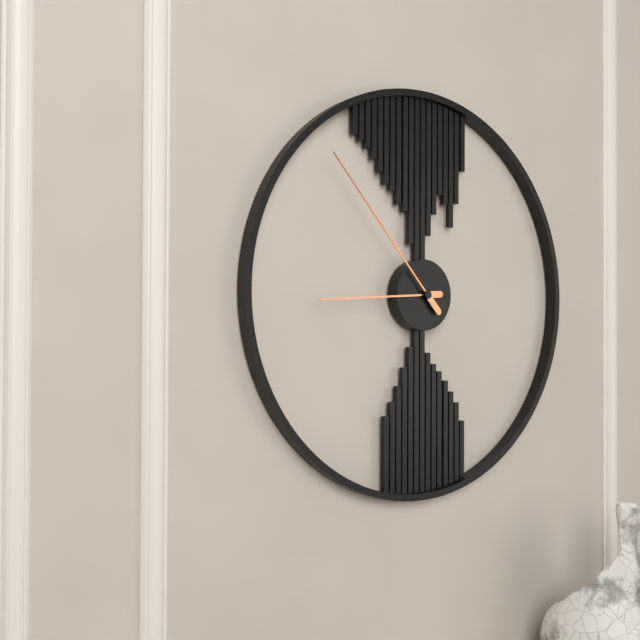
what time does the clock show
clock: 8:53
